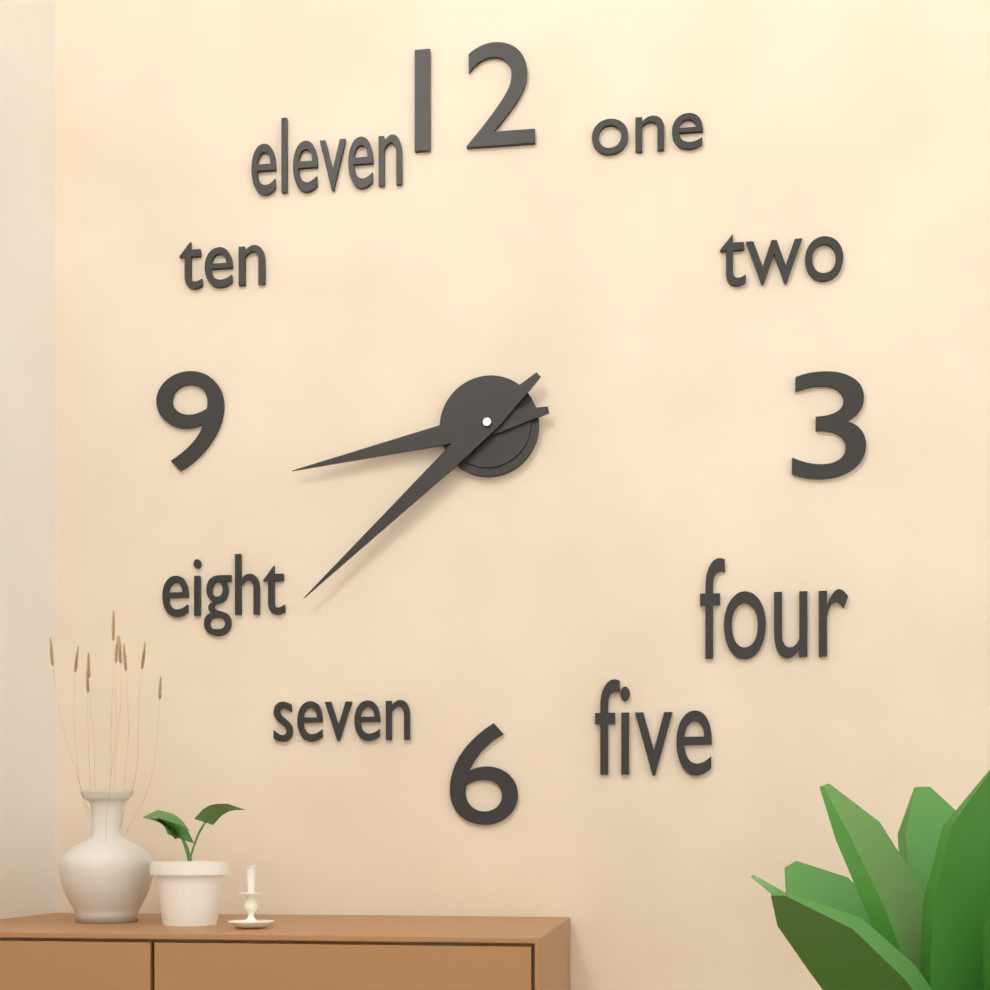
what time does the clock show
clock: 8:38
